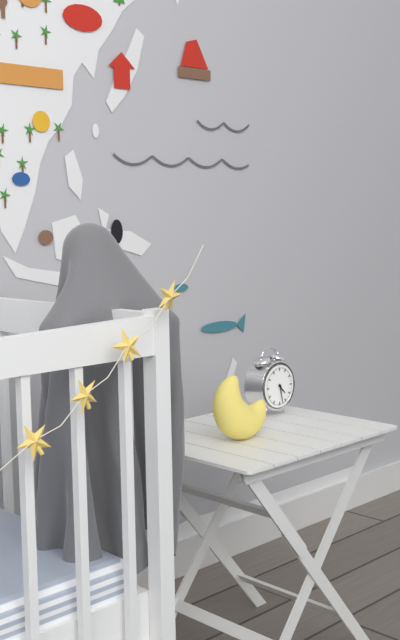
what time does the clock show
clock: 4:28
